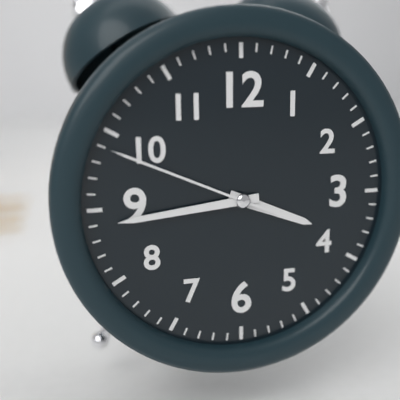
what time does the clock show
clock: 3:44:49
